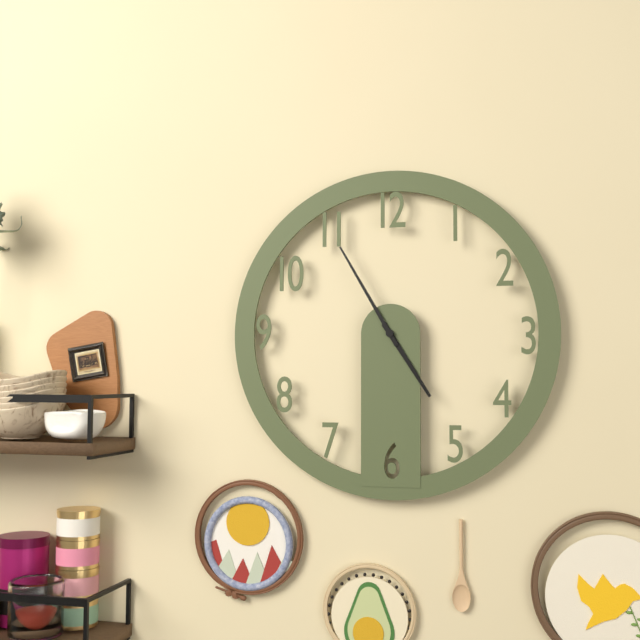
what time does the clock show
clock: 4:55
